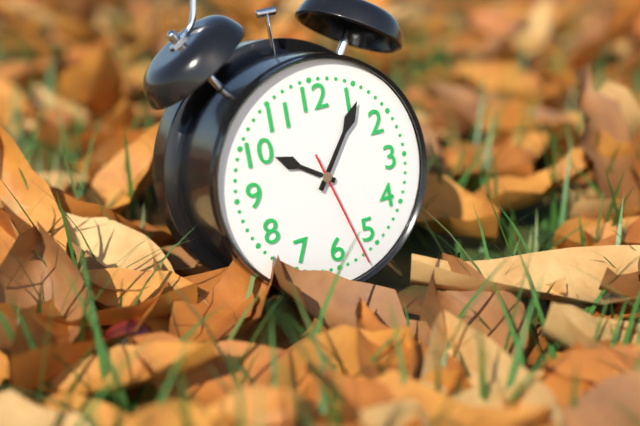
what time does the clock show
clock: 10:06:27
